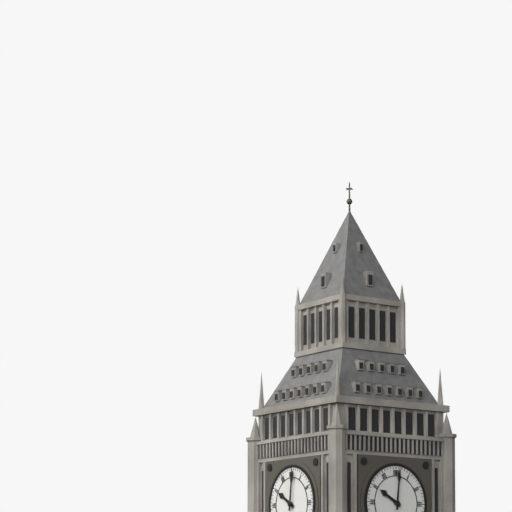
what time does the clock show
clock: 10:01
